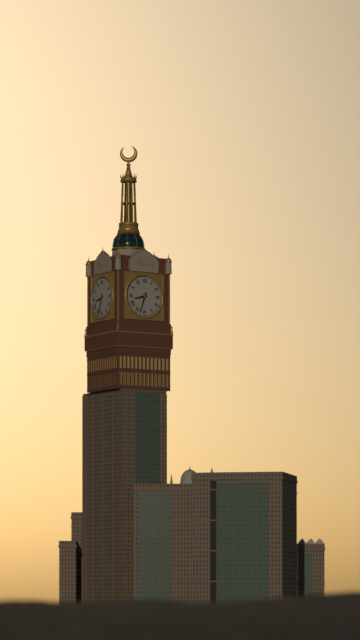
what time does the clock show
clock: 8:33
